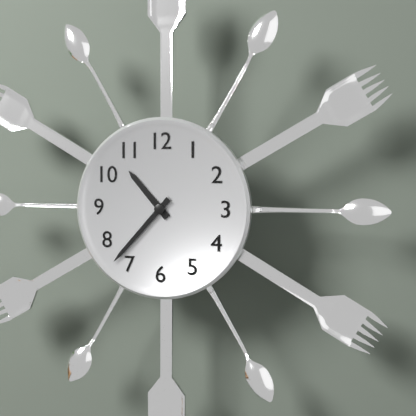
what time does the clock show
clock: 10:37
